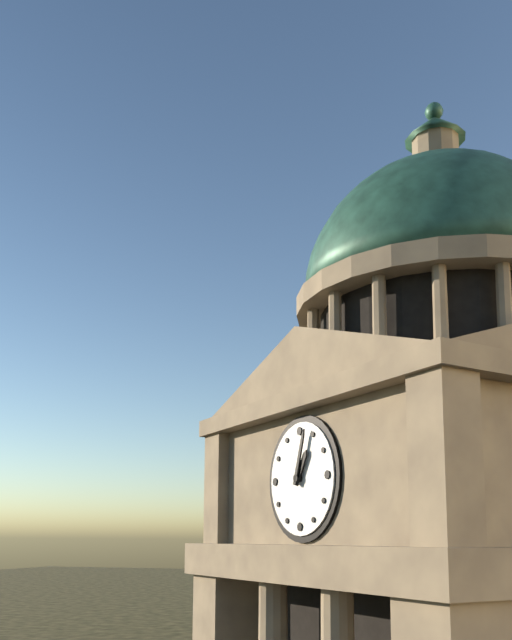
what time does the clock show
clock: 1:03
